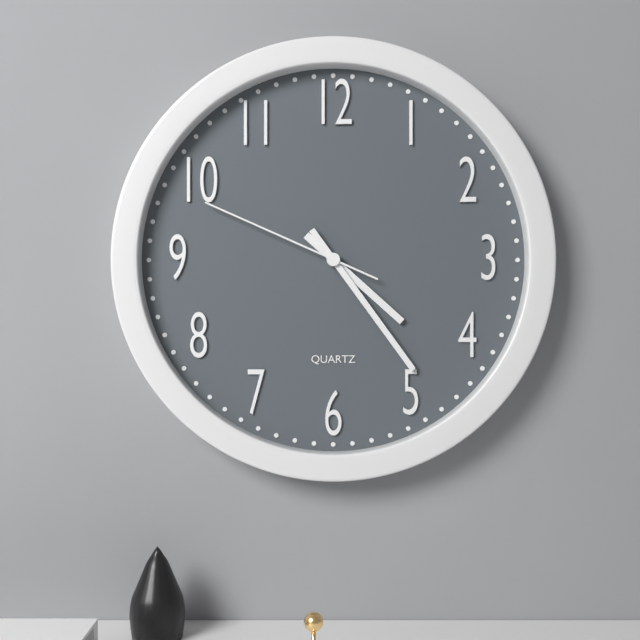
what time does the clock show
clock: 4:24:49
